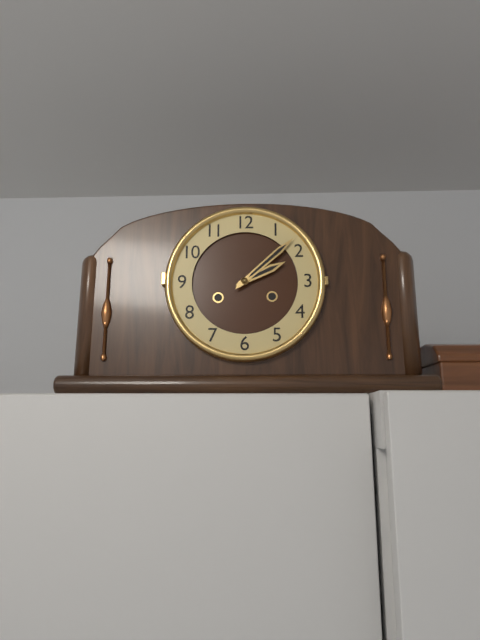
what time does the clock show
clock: 2:08
